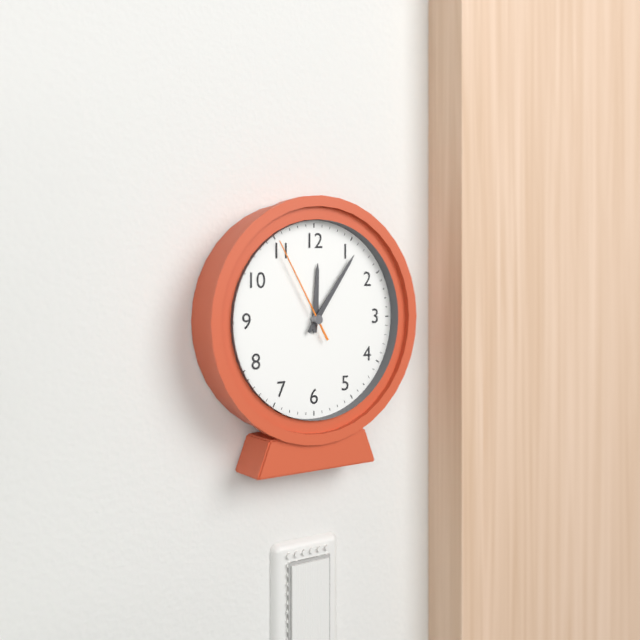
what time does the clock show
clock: 12:06:55
